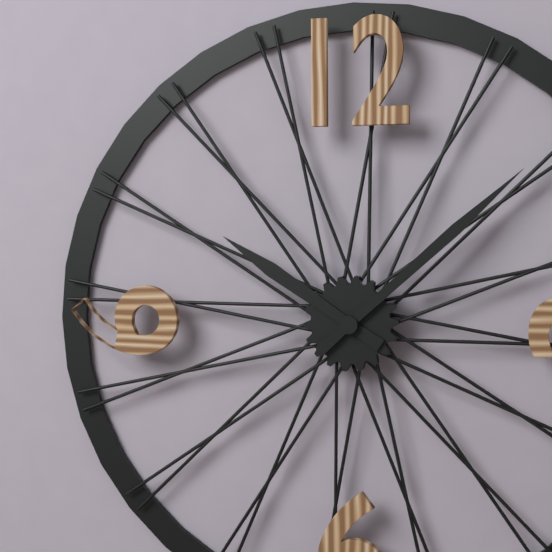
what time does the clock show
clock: 10:08
